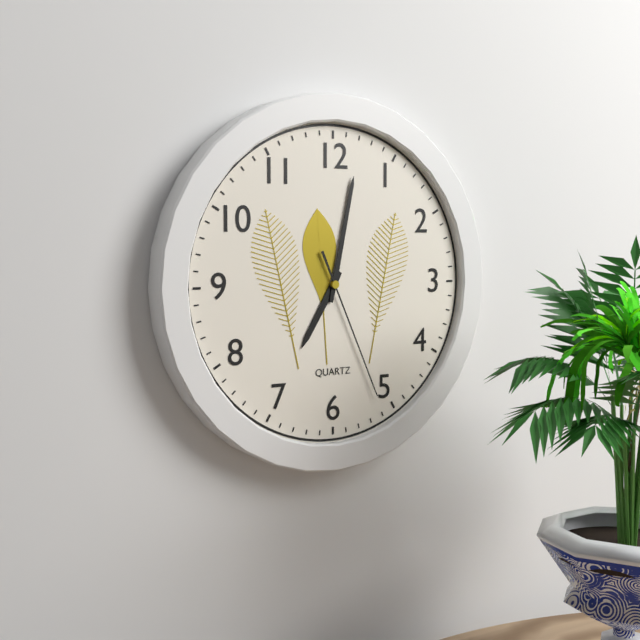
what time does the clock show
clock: 7:02:26
